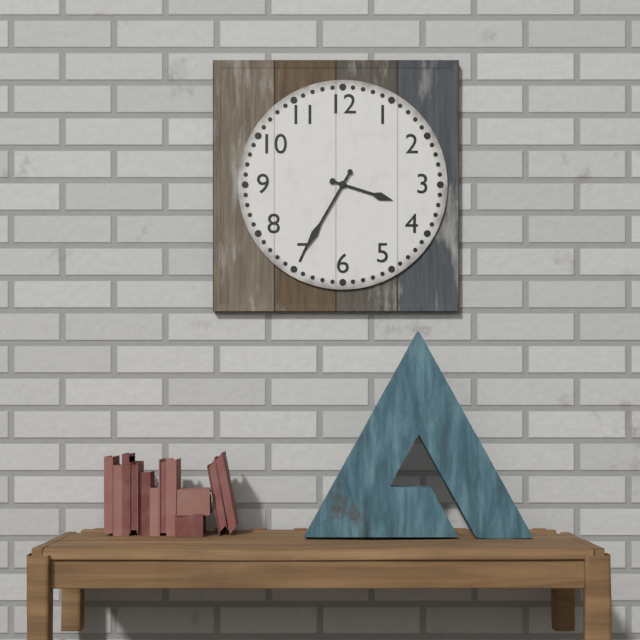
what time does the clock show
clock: 3:35
